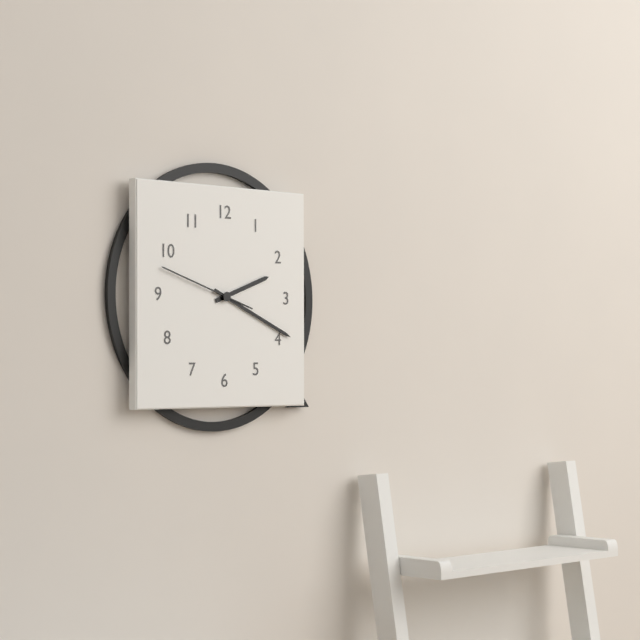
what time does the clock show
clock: 2:19:48
